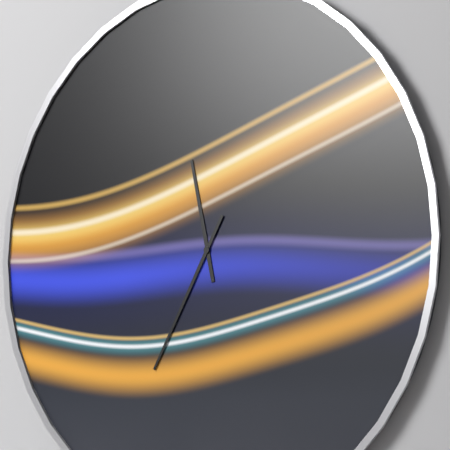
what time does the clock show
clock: 11:35
